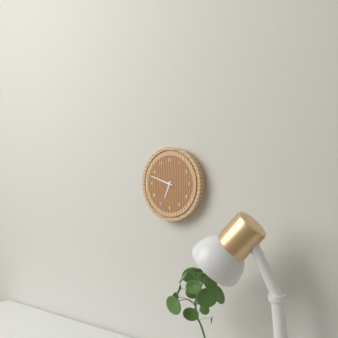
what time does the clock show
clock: 6:48
